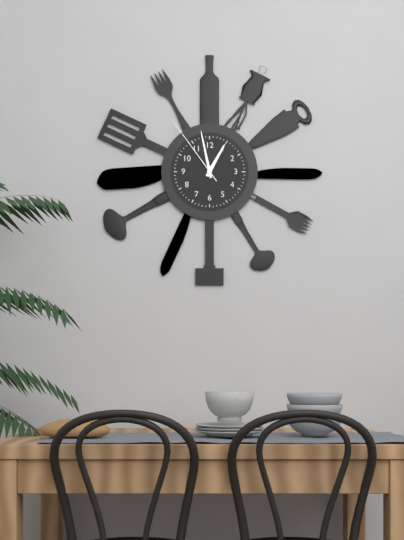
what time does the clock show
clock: 12:58:54
